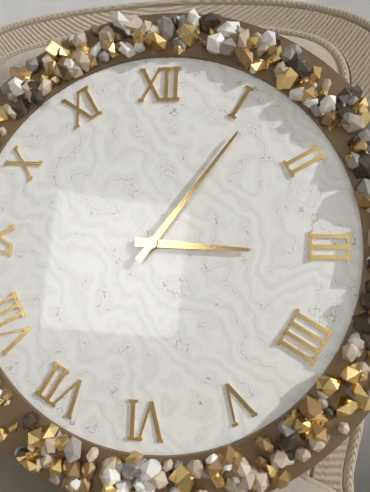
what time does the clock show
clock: 3:06
